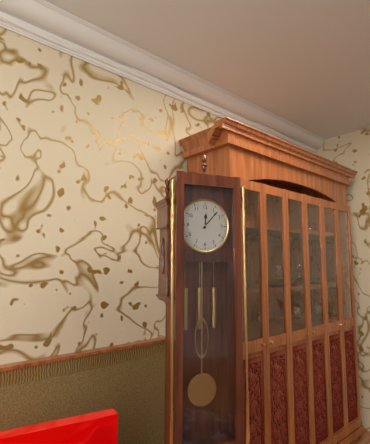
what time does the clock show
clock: 12:07
